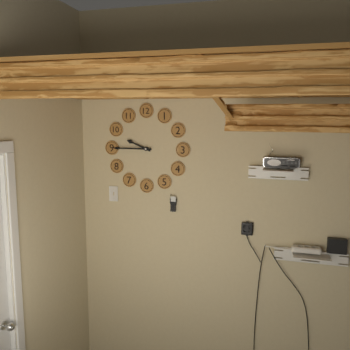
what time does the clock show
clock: 9:45
